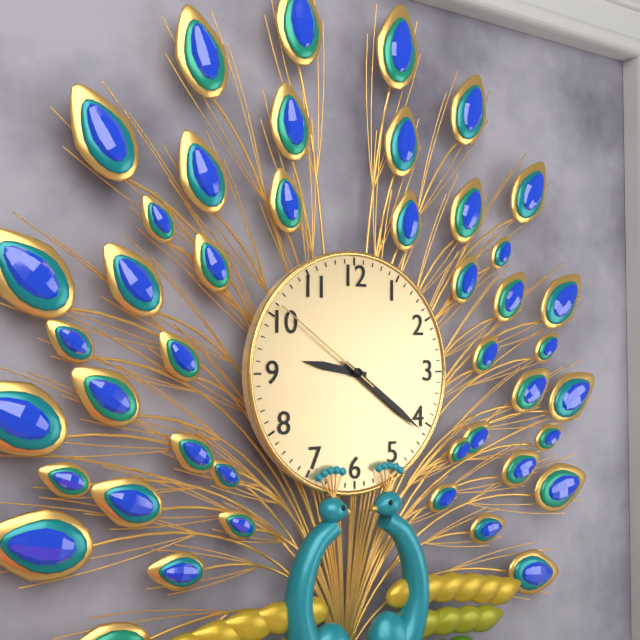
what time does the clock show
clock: 9:21:51
